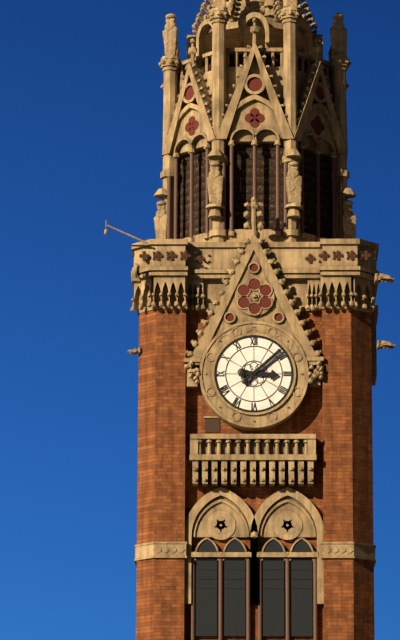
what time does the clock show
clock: 3:08
